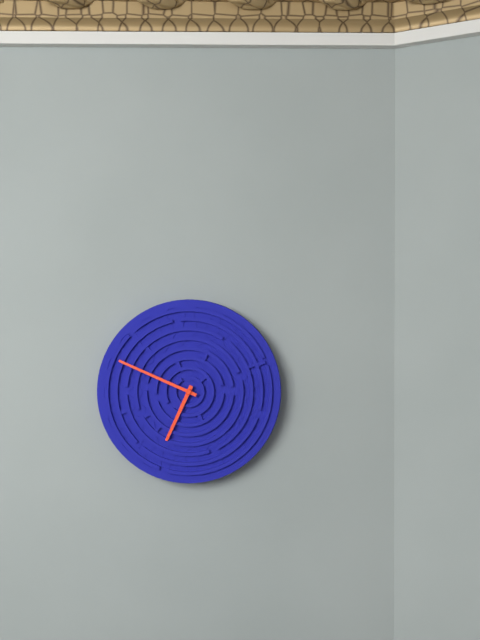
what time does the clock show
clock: 6:49
